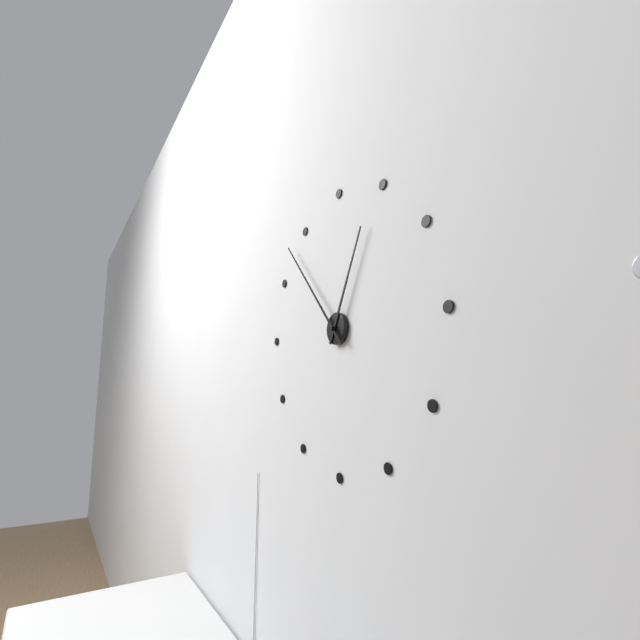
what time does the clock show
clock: 12:53
